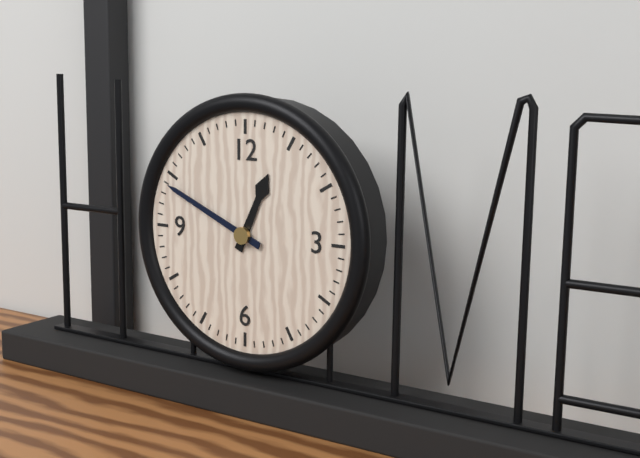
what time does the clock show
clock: 12:49
